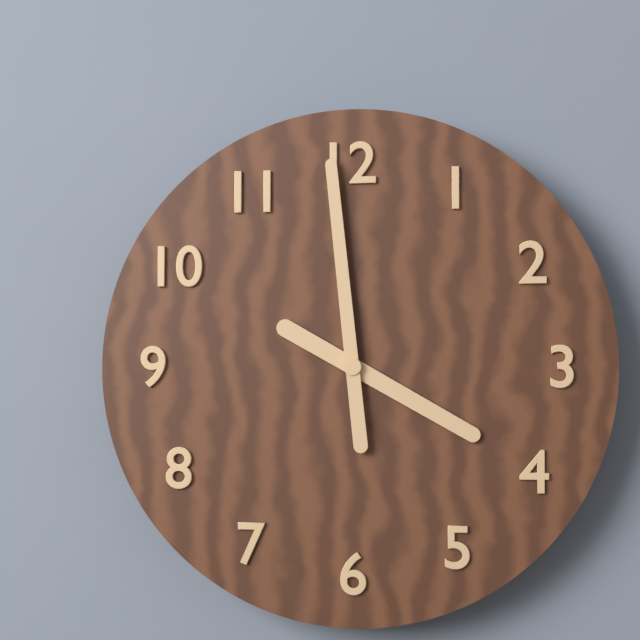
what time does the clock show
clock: 3:59
